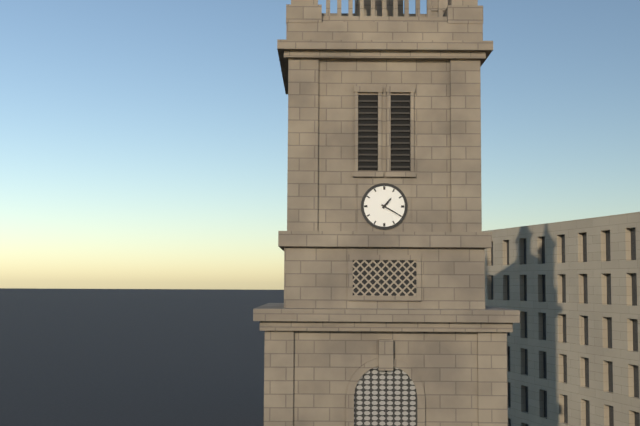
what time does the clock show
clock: 1:20
